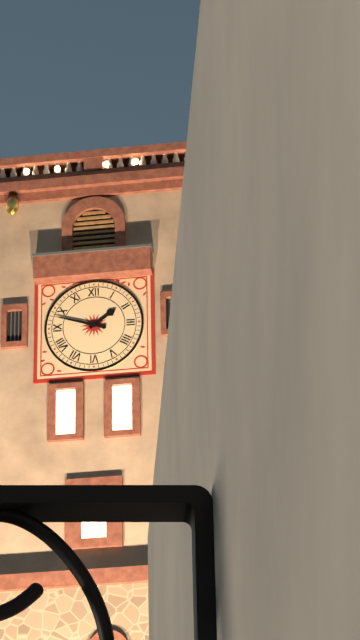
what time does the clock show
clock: 1:48
